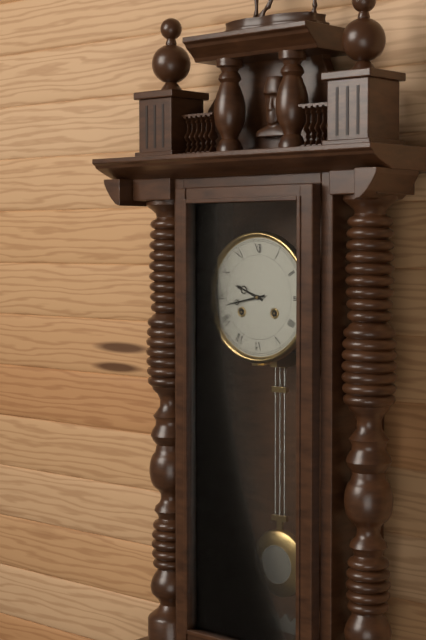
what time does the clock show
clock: 9:43
